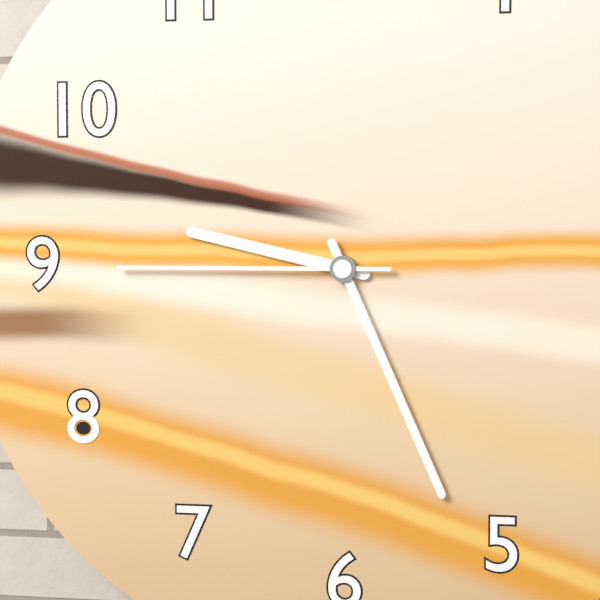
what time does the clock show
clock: 9:26:45
